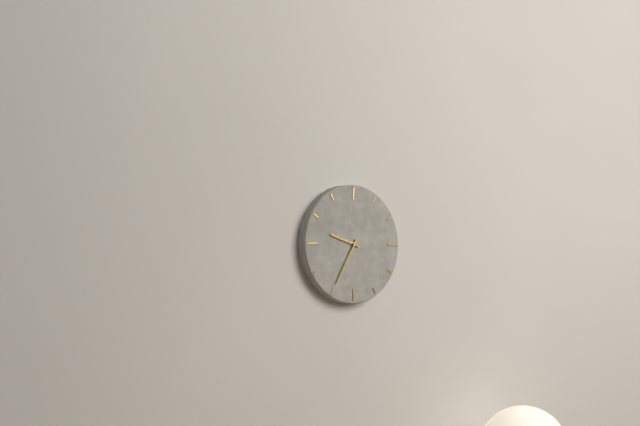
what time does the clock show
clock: 9:35
